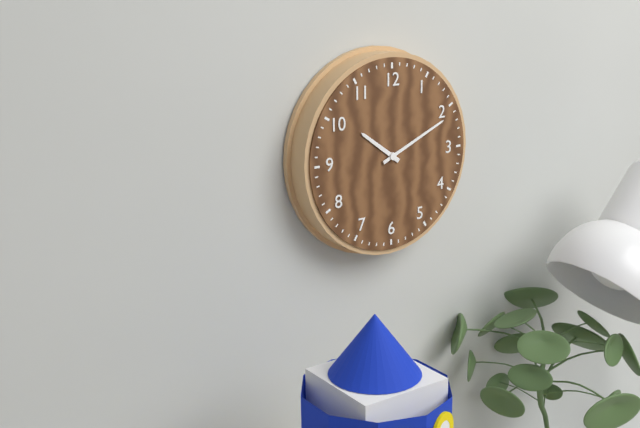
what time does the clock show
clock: 10:11
